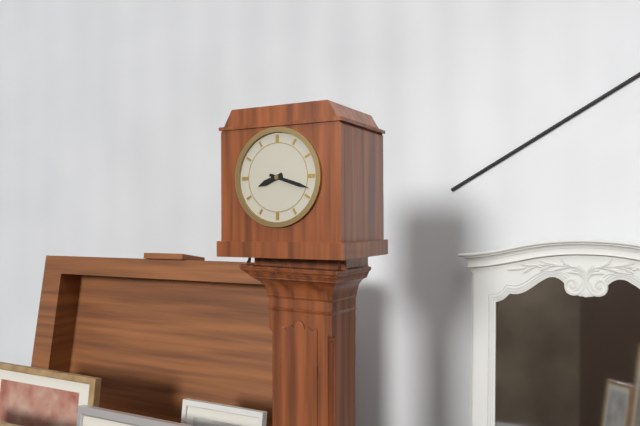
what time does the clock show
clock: 8:18
